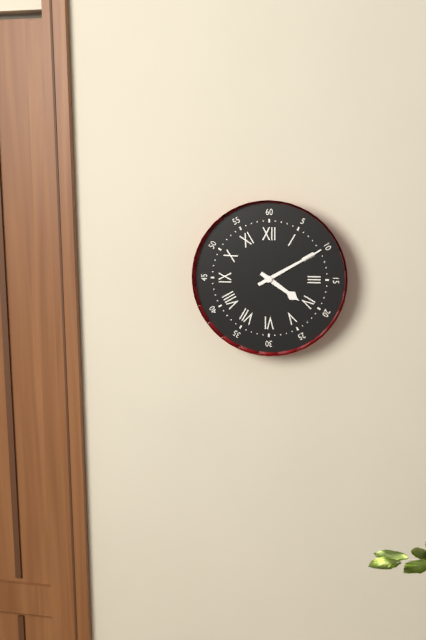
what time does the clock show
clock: 4:10
